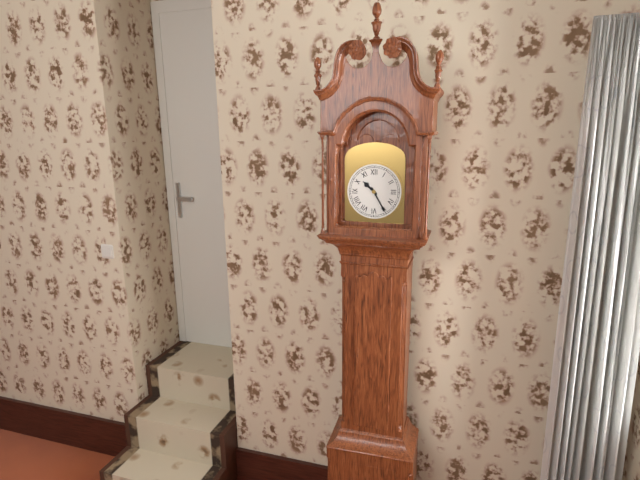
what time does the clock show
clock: 10:25
